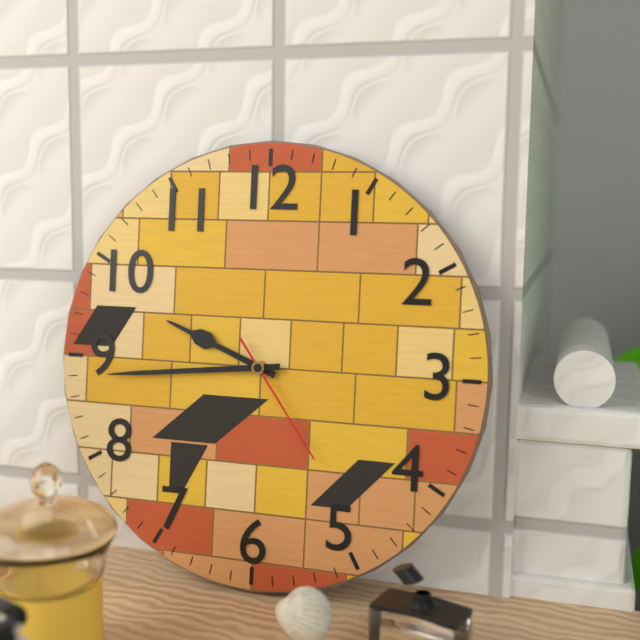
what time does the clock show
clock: 9:44:24
